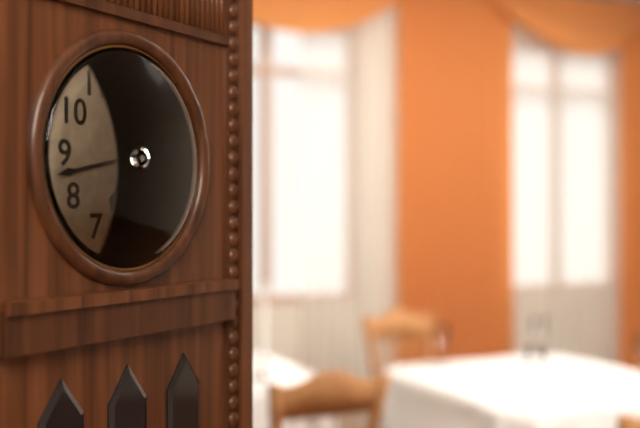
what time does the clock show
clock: 6:43
